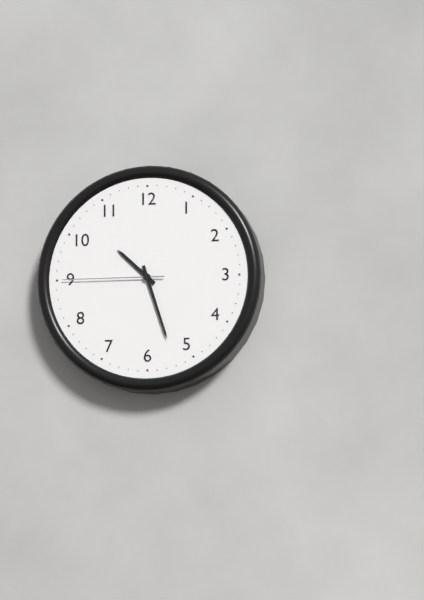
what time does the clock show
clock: 10:27:45
